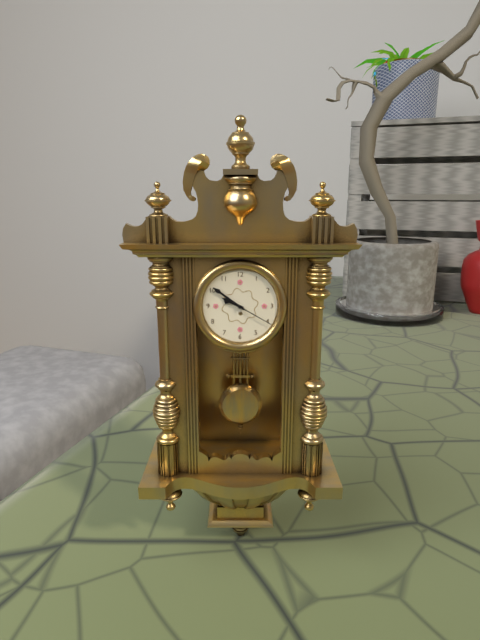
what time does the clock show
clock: 9:51
